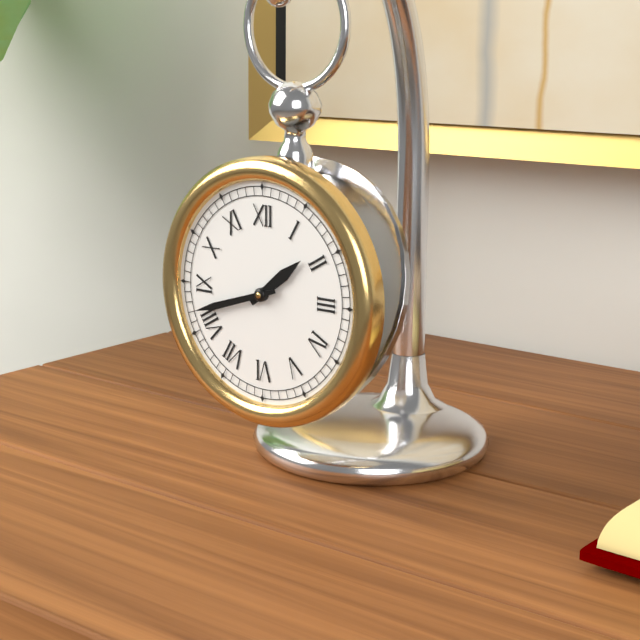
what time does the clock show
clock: 1:42
